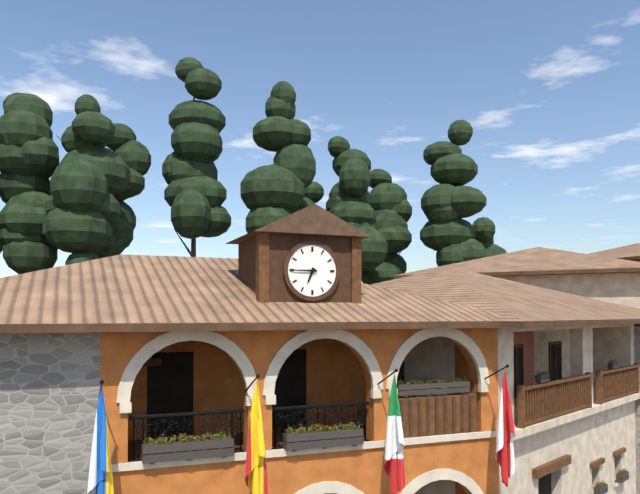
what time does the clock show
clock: 6:45
